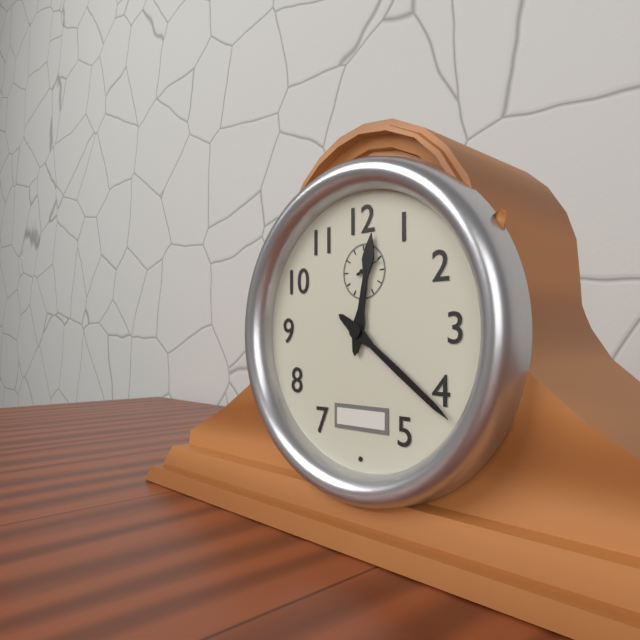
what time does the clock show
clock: 12:21
